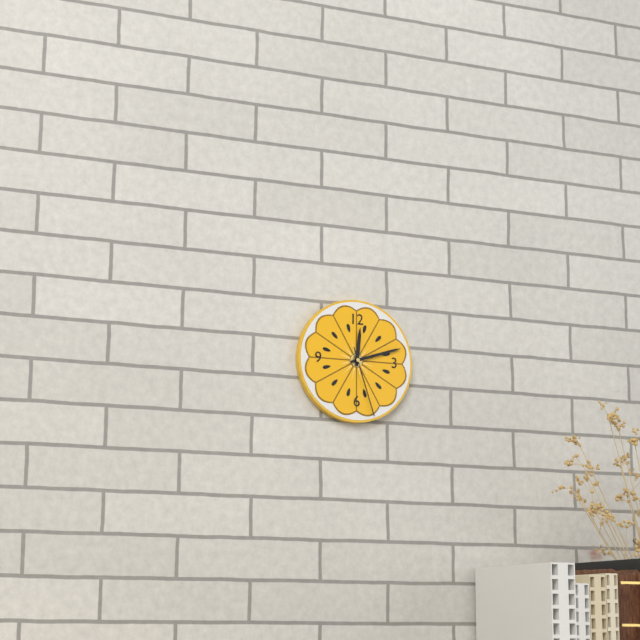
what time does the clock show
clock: 12:12:27
